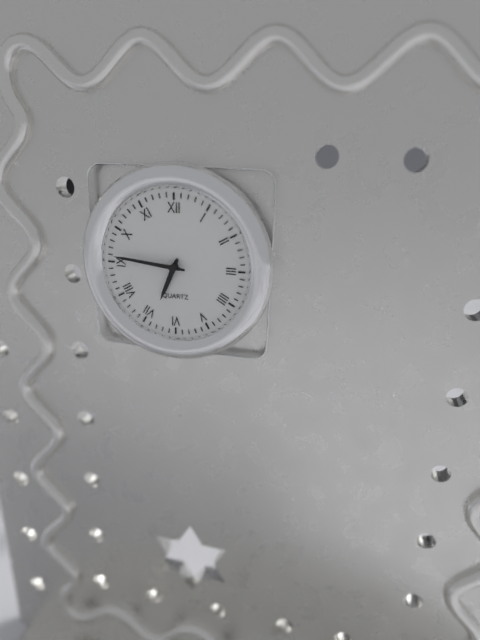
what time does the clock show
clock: 6:46
